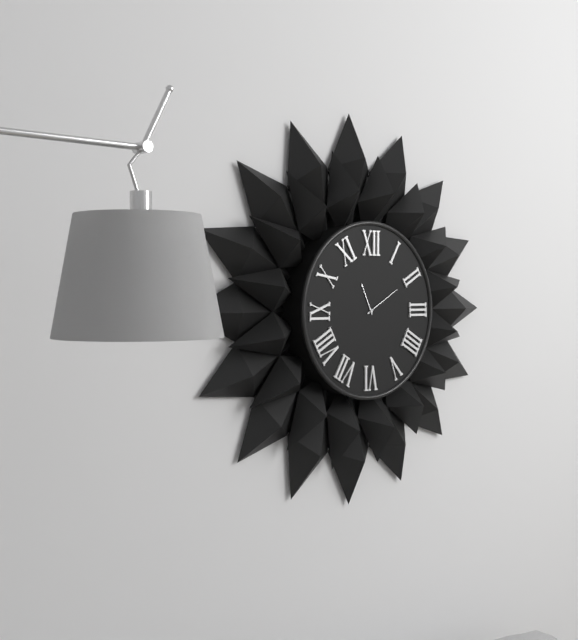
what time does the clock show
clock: 11:10
